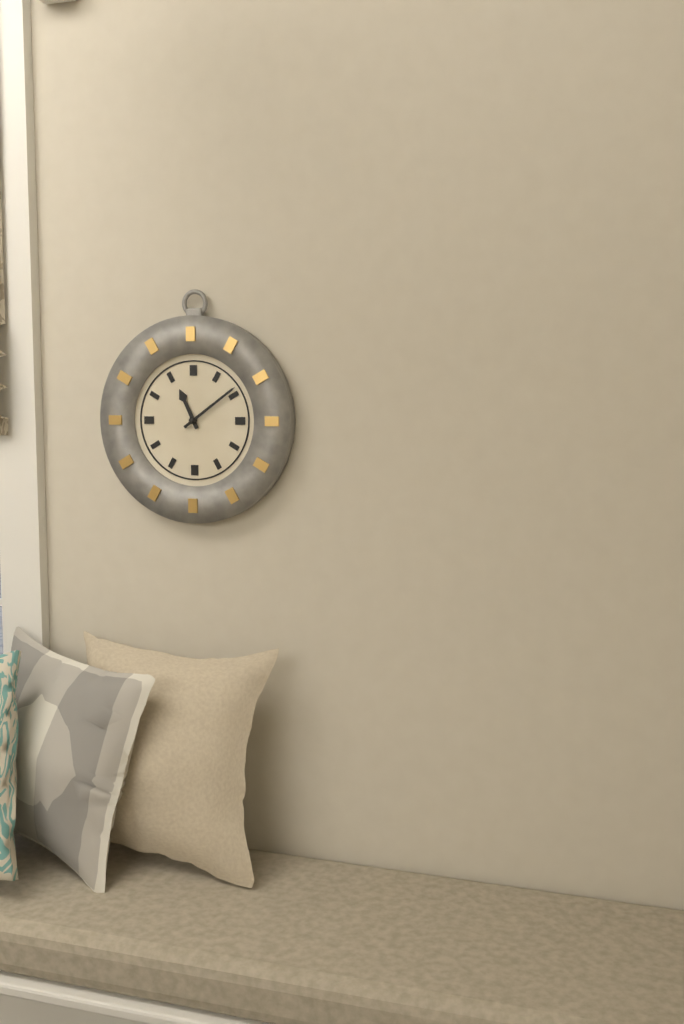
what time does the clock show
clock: 11:09
